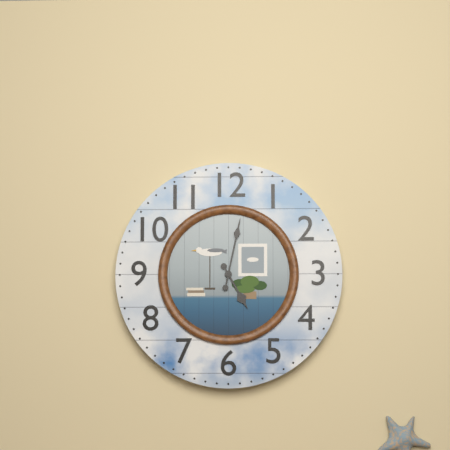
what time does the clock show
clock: 5:02
